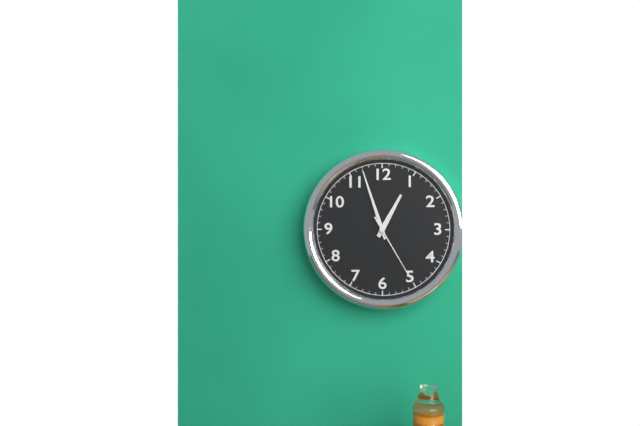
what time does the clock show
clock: 12:57:25
